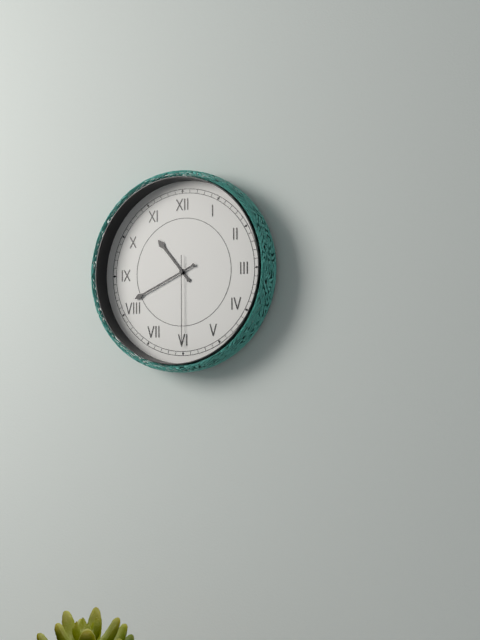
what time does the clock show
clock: 10:41:30
